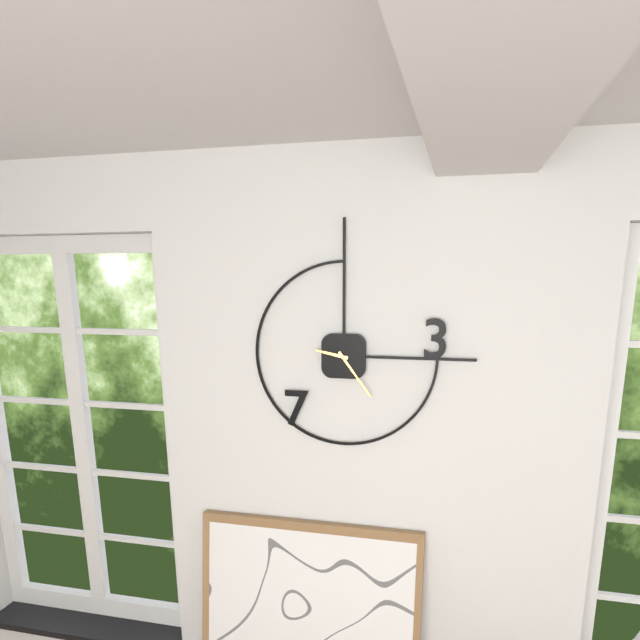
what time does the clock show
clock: 9:24
